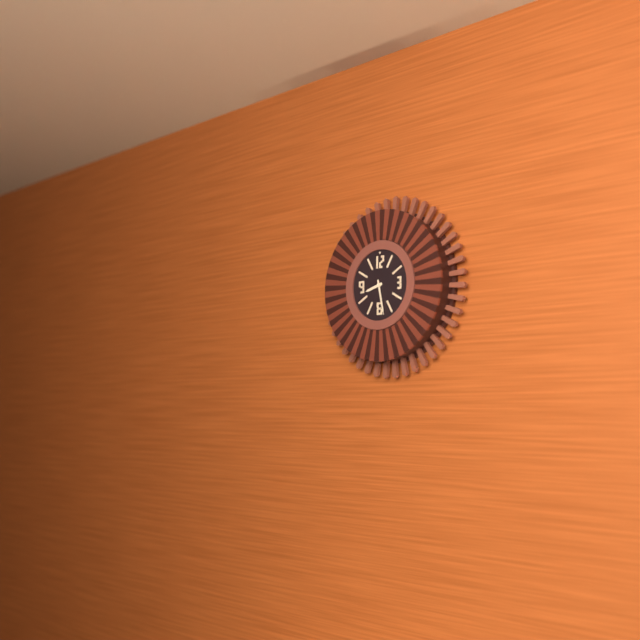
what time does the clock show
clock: 8:28
